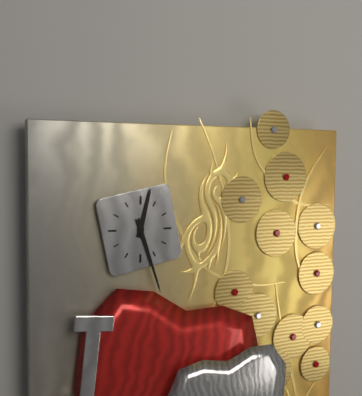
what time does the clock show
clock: 12:27
